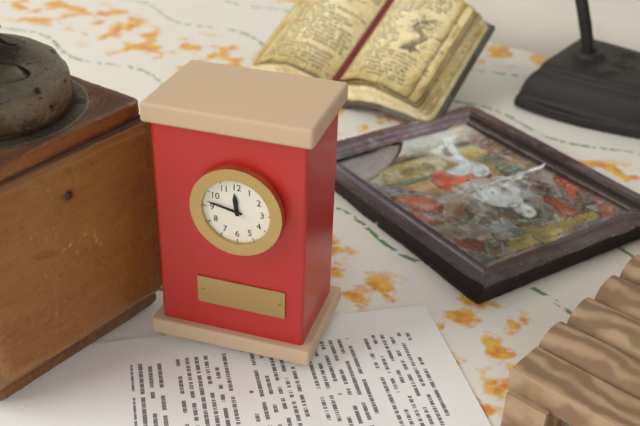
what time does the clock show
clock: 11:47
